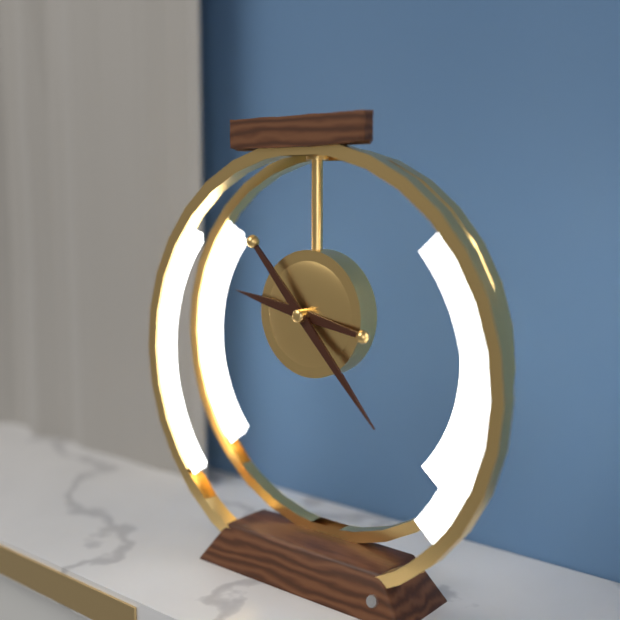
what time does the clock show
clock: 9:23
